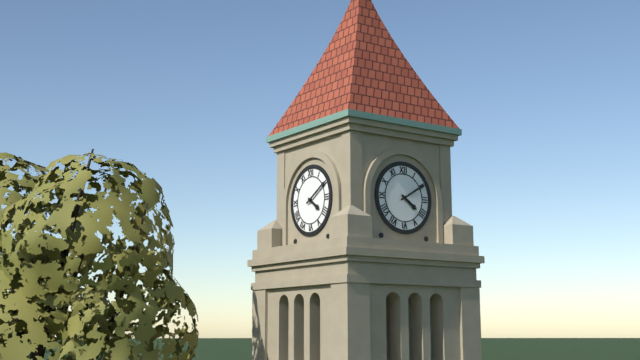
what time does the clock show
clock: 4:10
